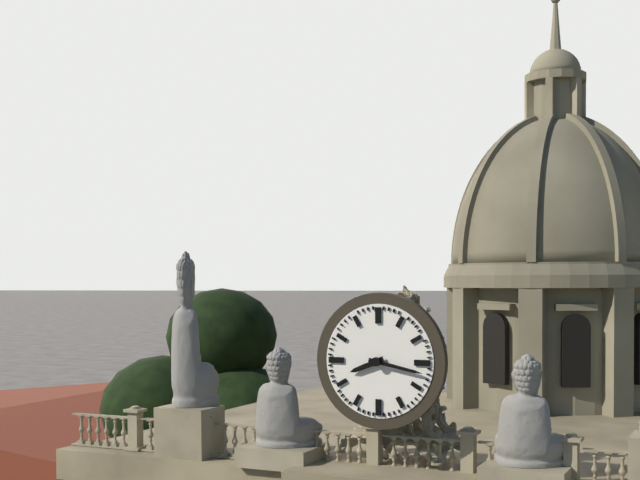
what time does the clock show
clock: 8:17
